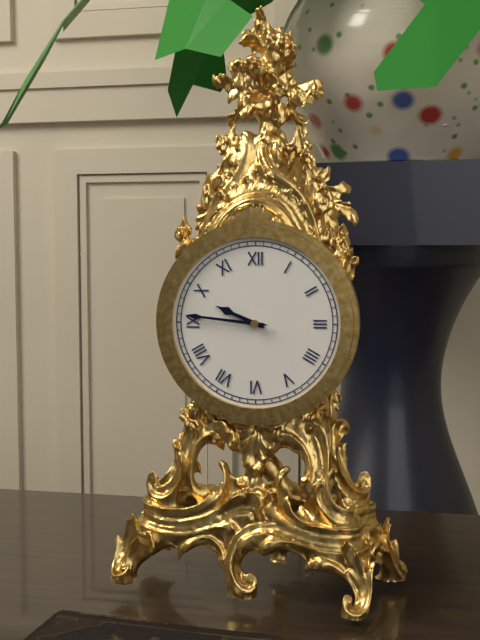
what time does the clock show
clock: 9:46
